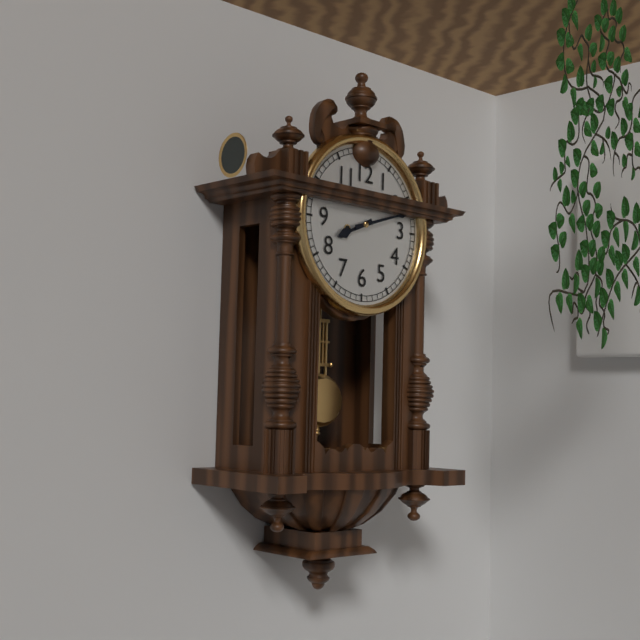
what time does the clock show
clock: 8:12
